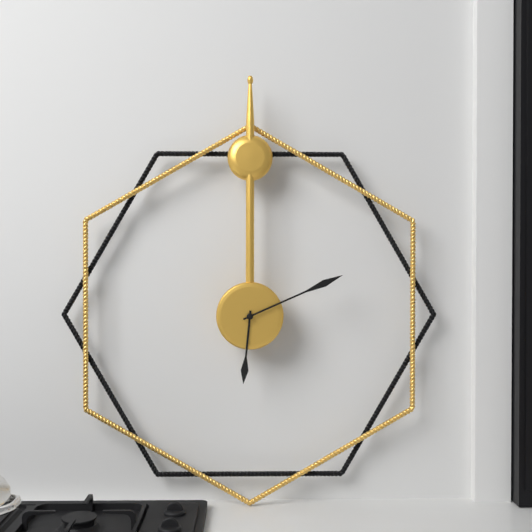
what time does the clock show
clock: 6:11
